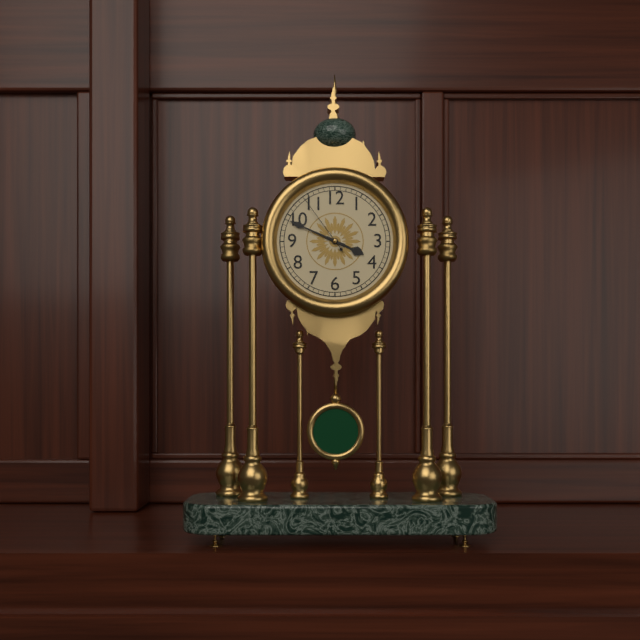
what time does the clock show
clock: 3:49:54
